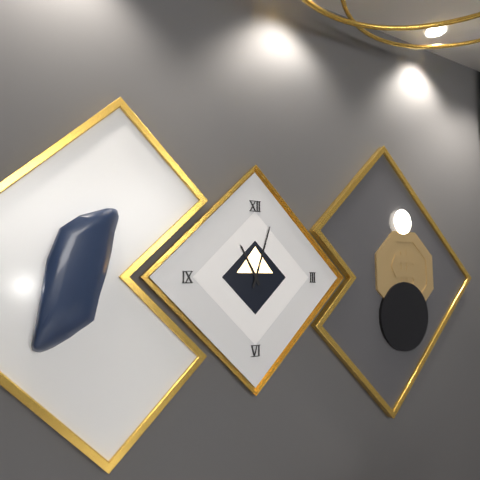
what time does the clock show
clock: 11:03
